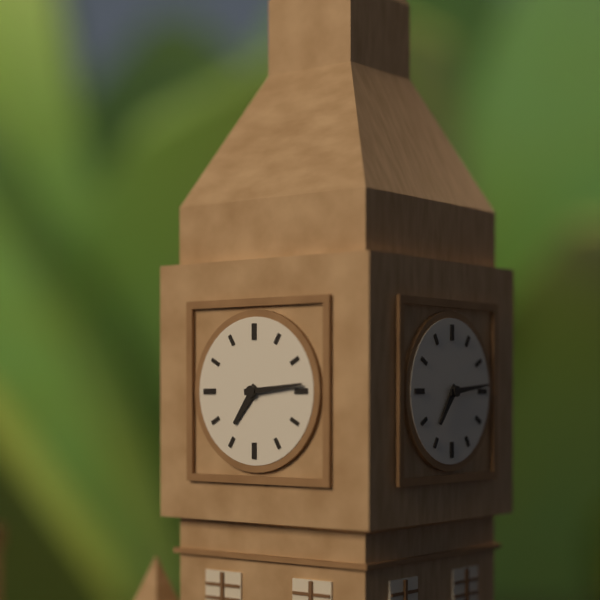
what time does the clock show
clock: 7:14
